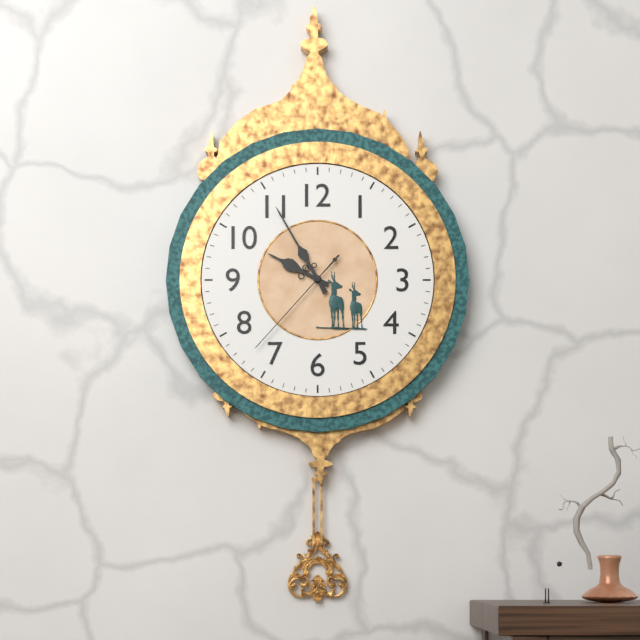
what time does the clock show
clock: 9:55:37
